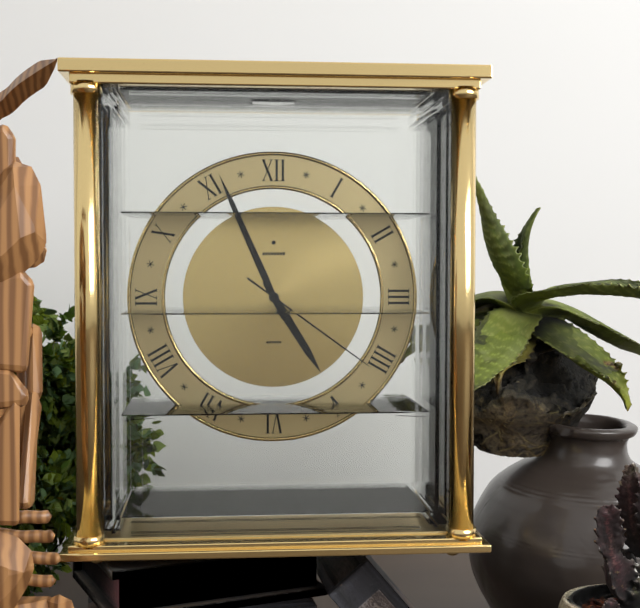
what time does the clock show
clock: 4:56:21
